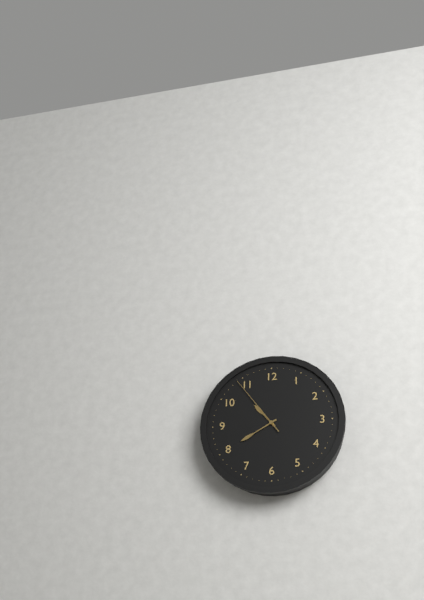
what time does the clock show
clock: 10:40:54
